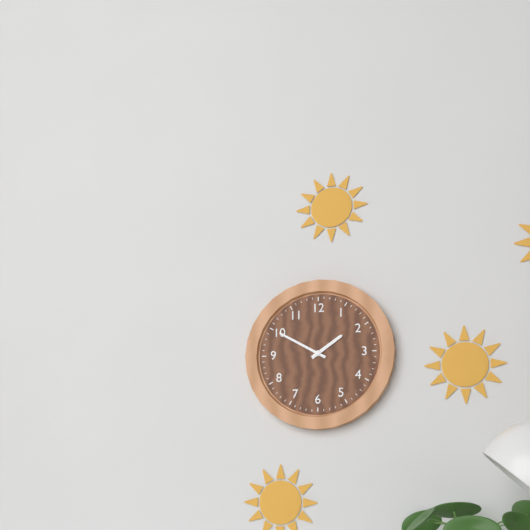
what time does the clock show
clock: 1:50
